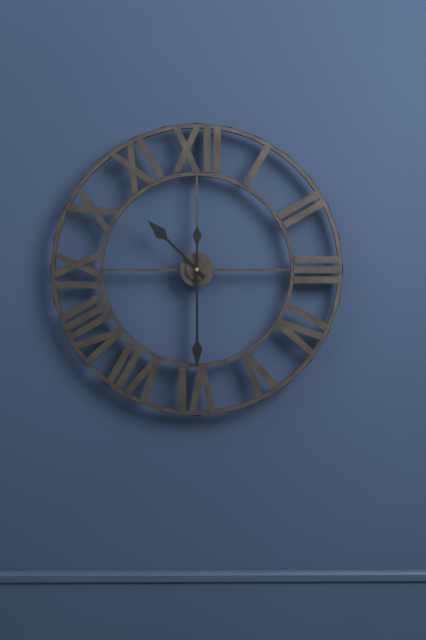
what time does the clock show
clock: 10:30
